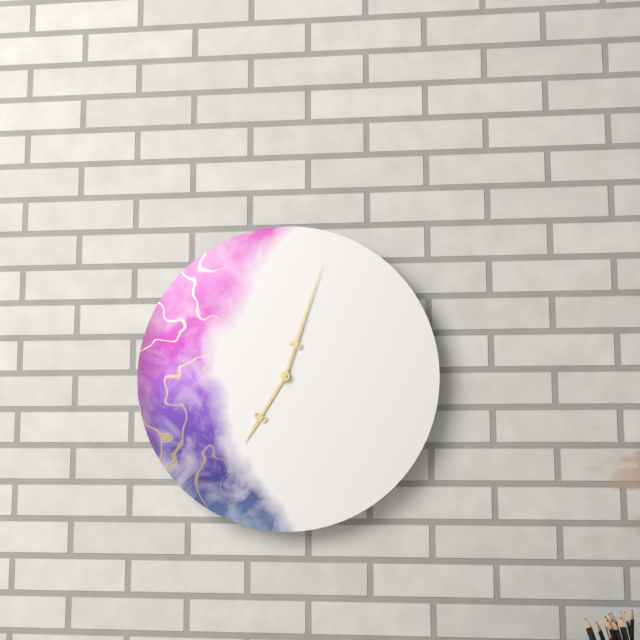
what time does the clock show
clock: 7:03
